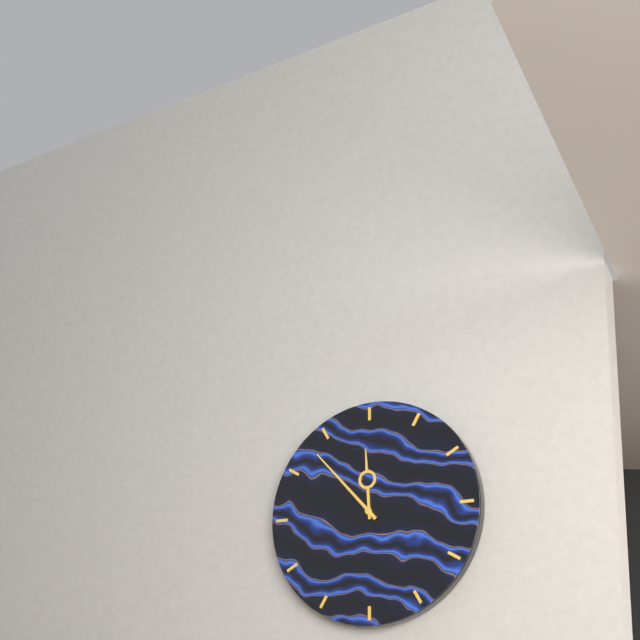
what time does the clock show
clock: 11:53
